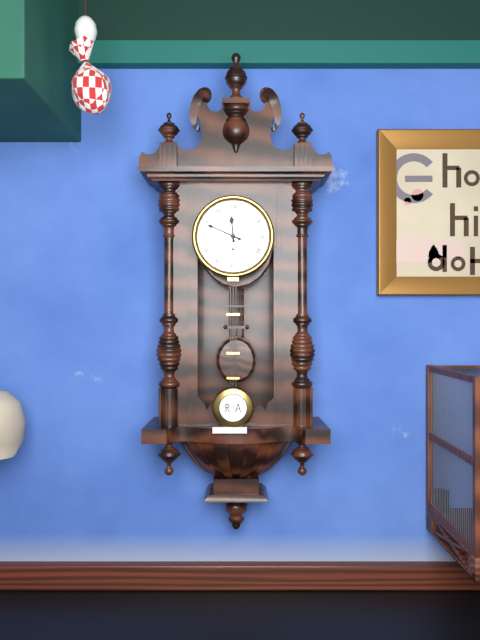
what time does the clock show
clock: 11:49
